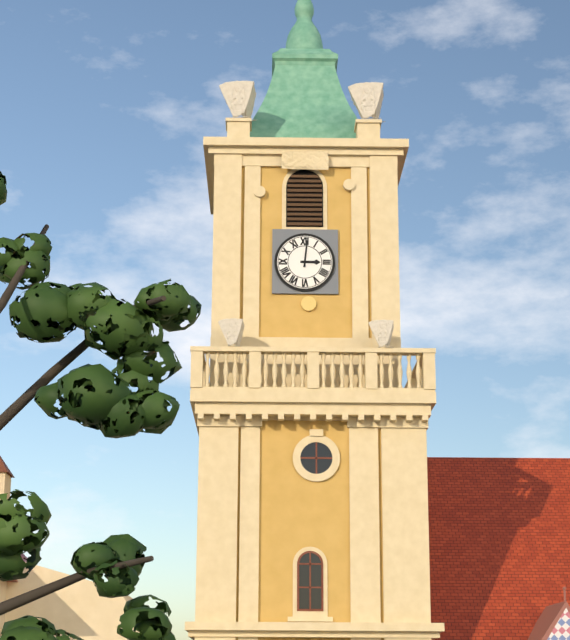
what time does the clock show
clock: 3:01
